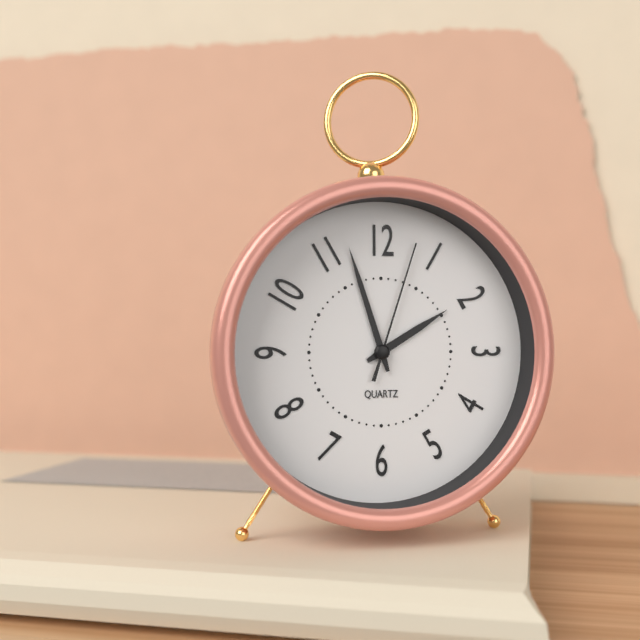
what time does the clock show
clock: 1:57:03
